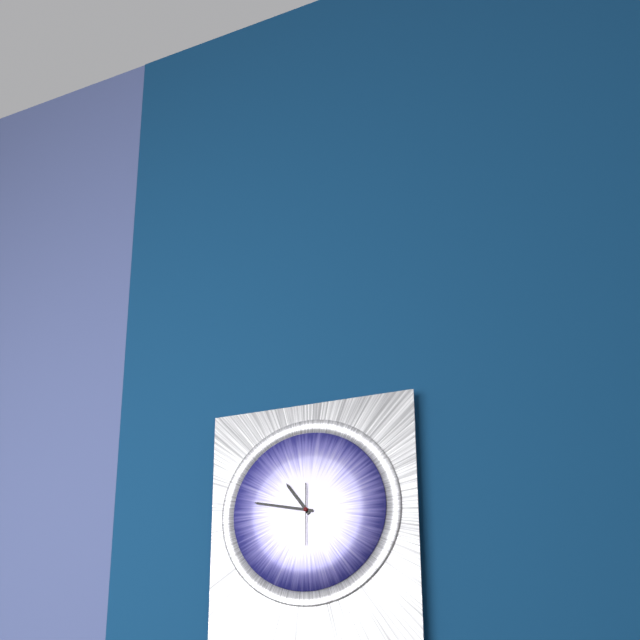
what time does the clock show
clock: 10:47
